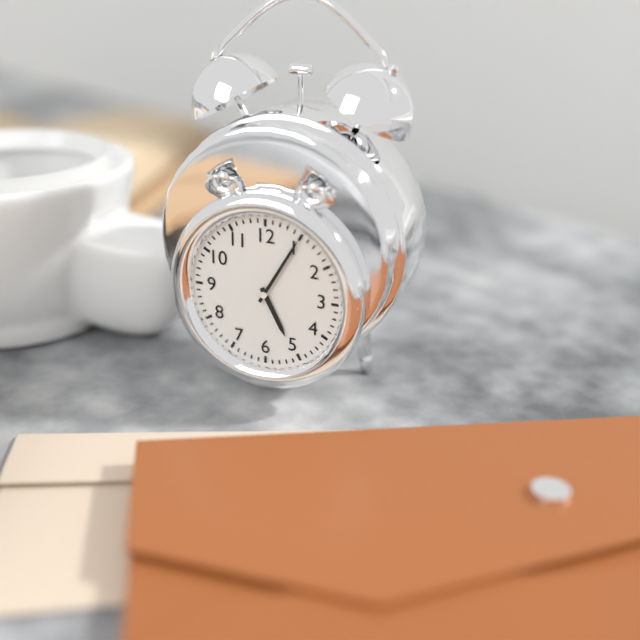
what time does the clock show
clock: 5:05
